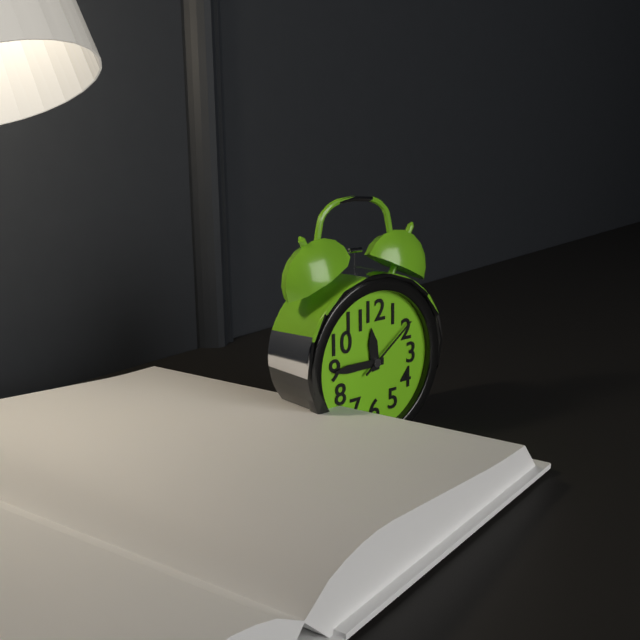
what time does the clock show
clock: 11:45:09
